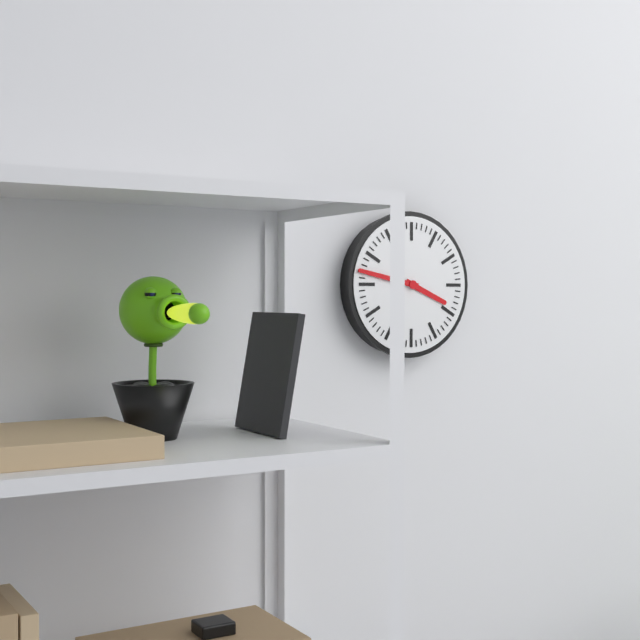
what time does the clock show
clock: 3:47
